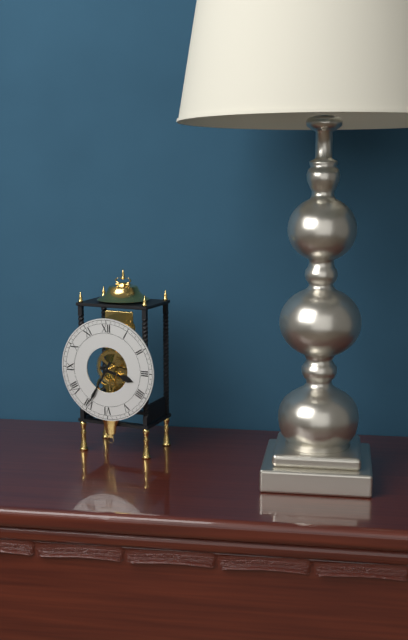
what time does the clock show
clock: 3:35
